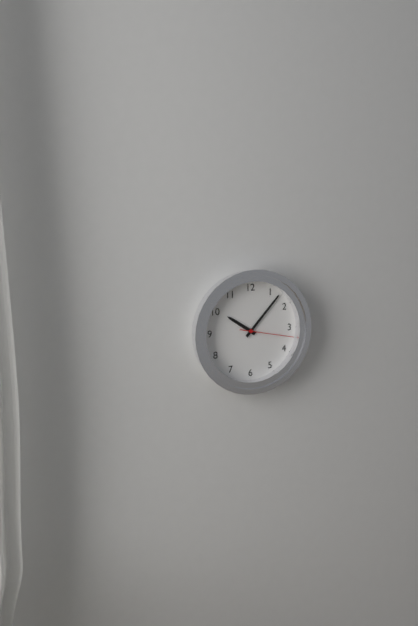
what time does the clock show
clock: 10:07:17
